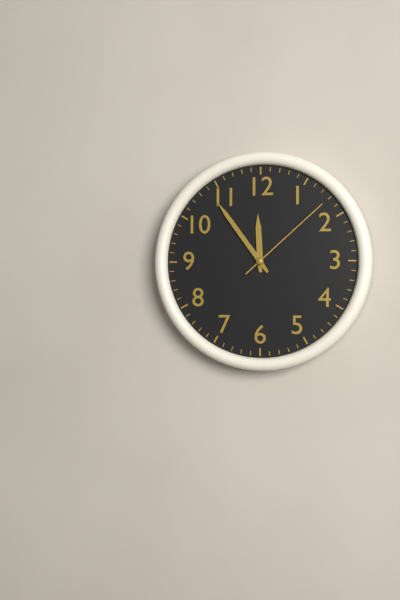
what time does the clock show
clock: 11:54:08
